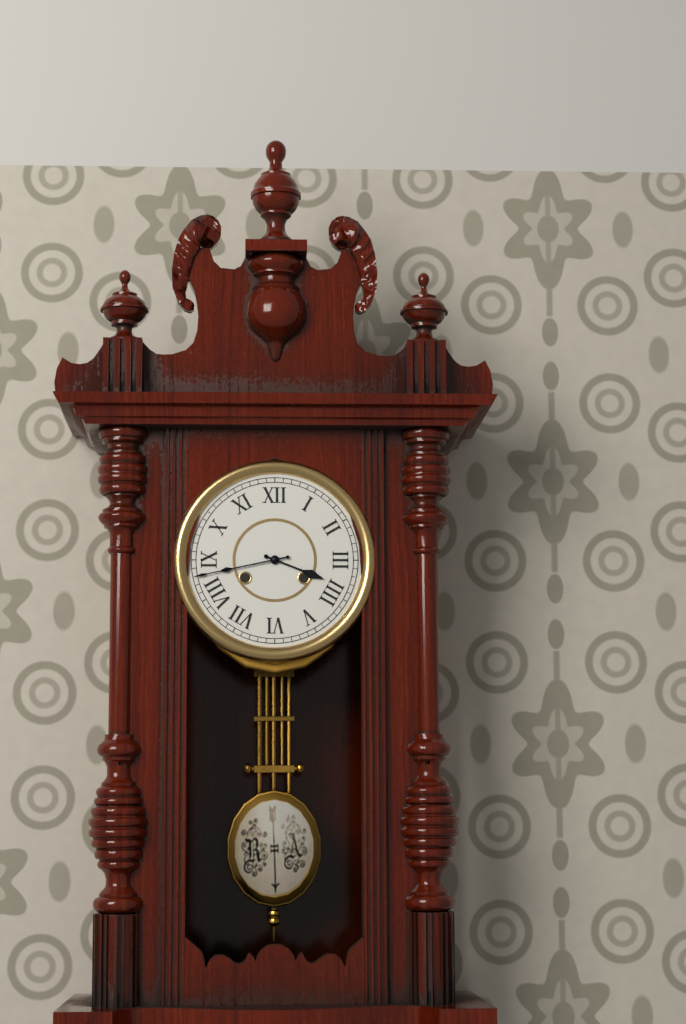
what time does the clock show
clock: 3:43
